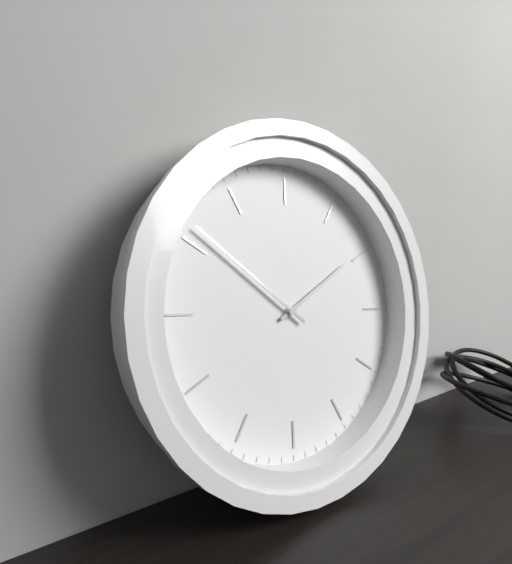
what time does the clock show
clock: 2:56
